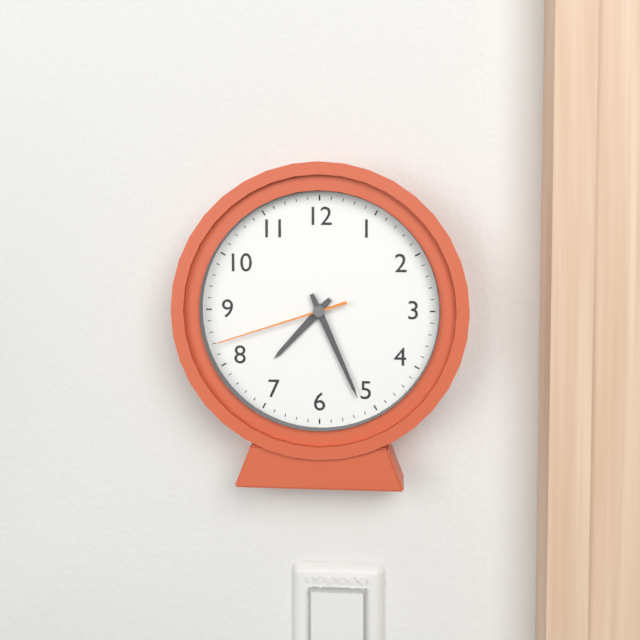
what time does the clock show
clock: 7:26:42
